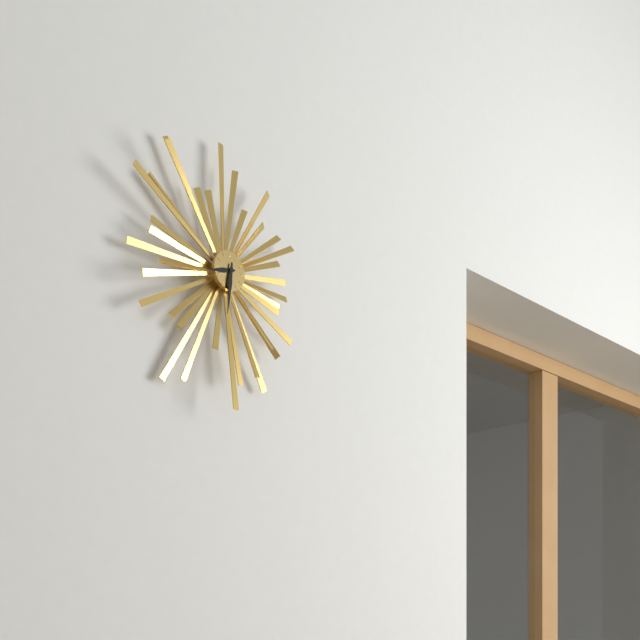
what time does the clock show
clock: 8:31
